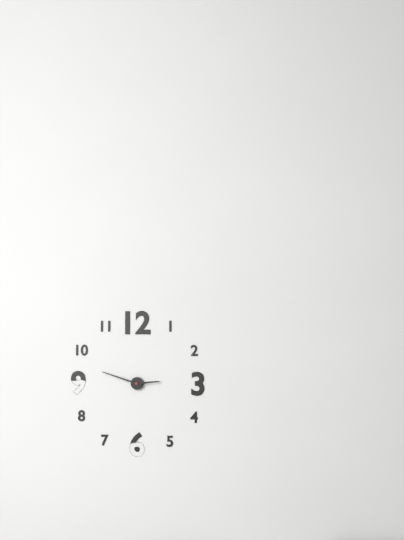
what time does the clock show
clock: 2:48
